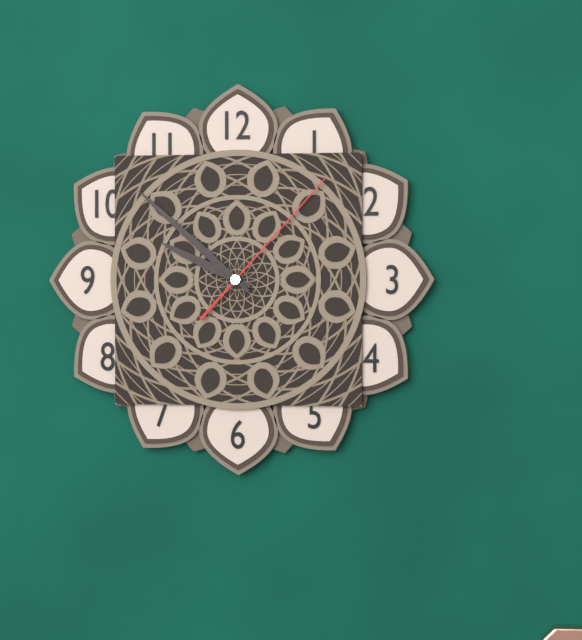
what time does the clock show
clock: 9:52:07
